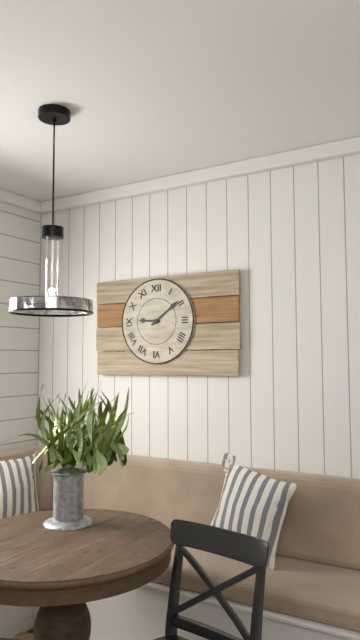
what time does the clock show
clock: 9:09
